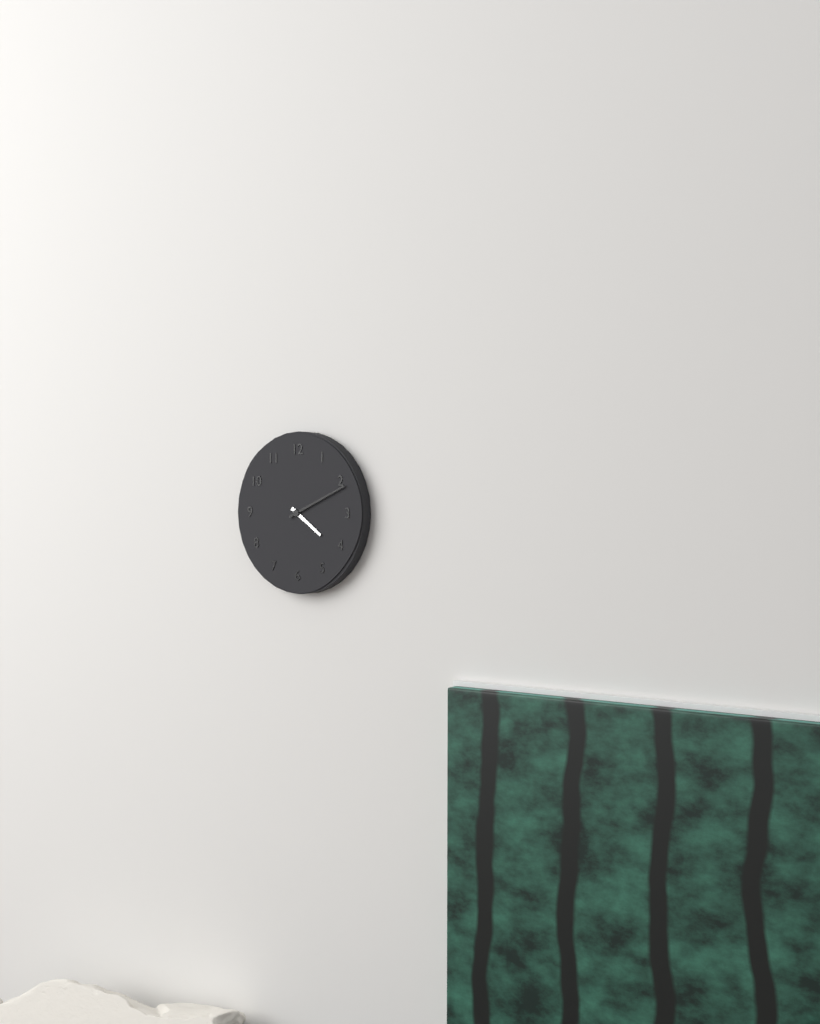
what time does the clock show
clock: 4:11
